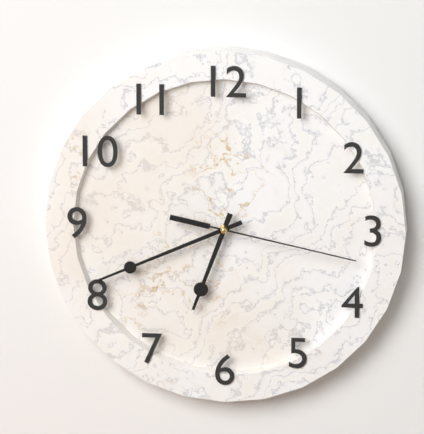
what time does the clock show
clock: 6:41:17
